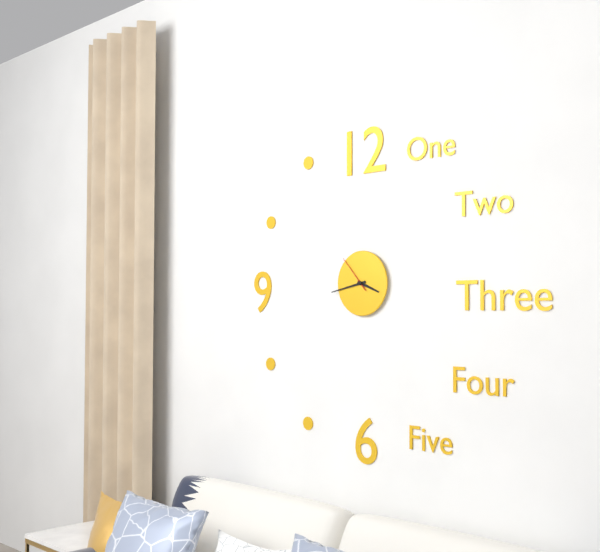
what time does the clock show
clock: 3:43
